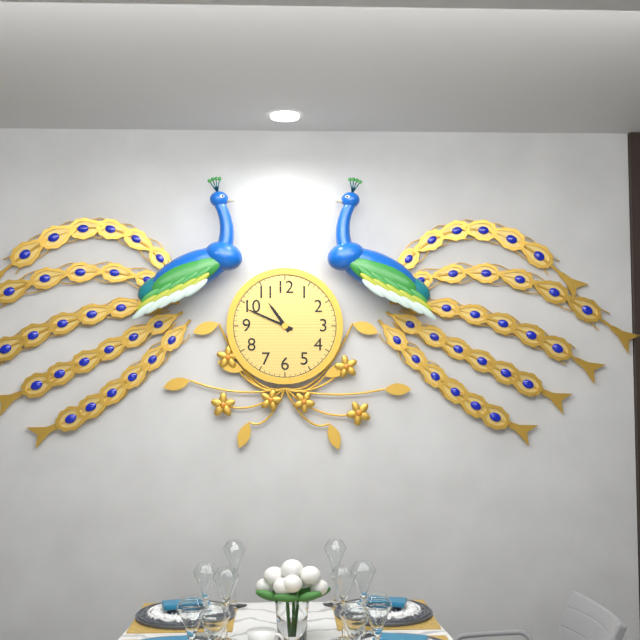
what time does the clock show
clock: 10:49
